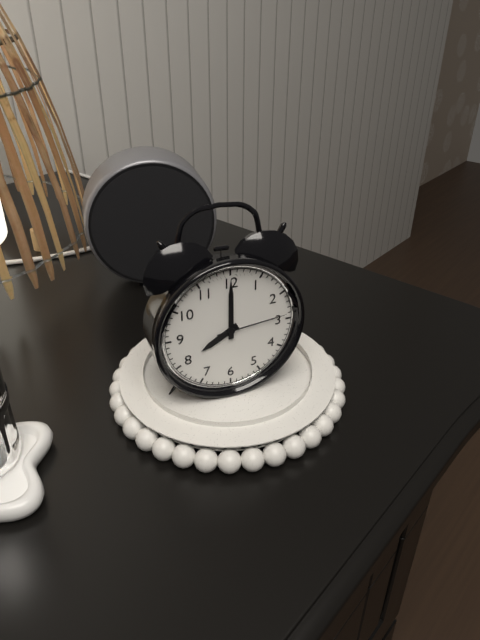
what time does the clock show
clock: 8:00:14
